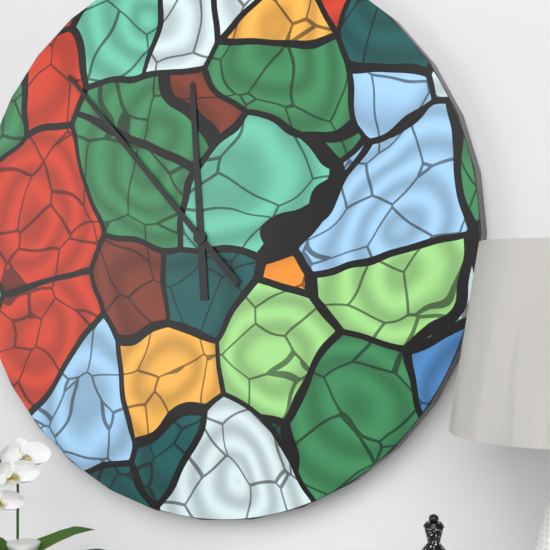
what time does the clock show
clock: 11:53
